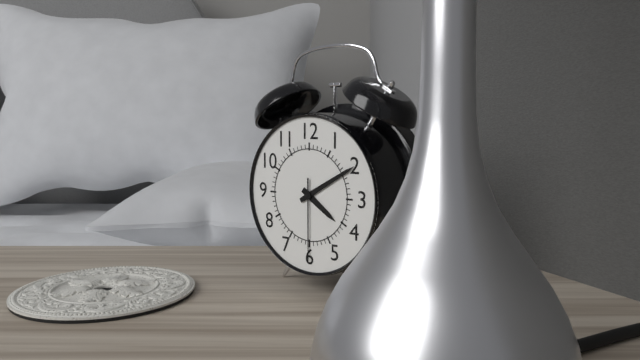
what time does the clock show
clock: 4:10:30
